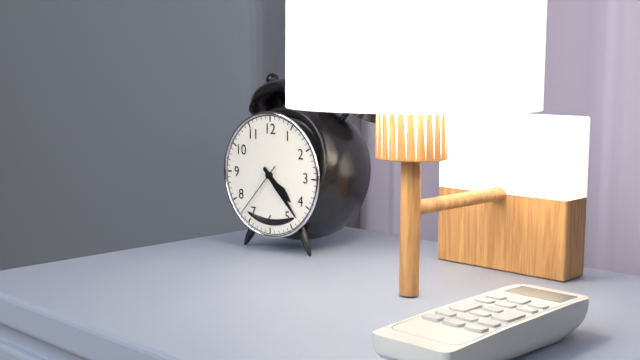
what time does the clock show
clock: 4:23:37
